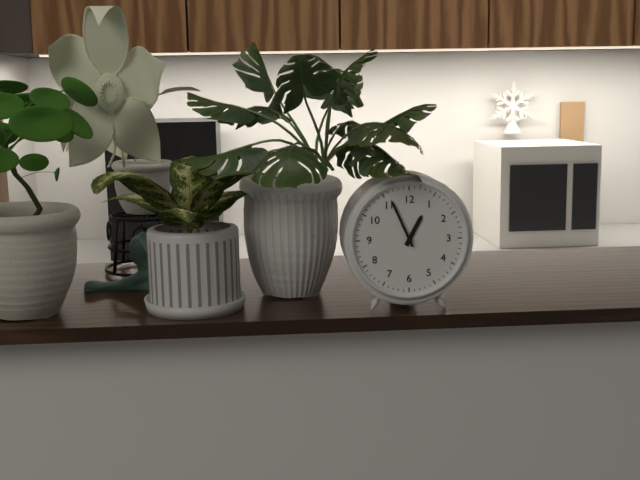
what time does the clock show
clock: 12:56
